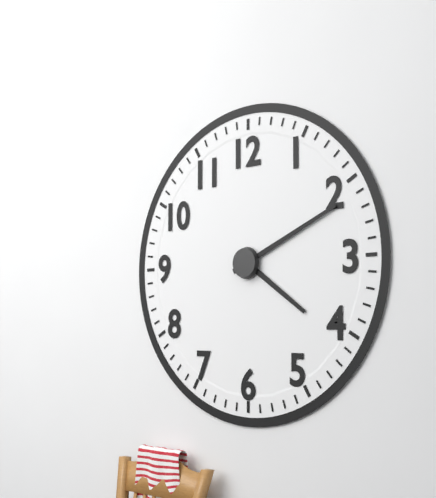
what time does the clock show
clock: 4:11
